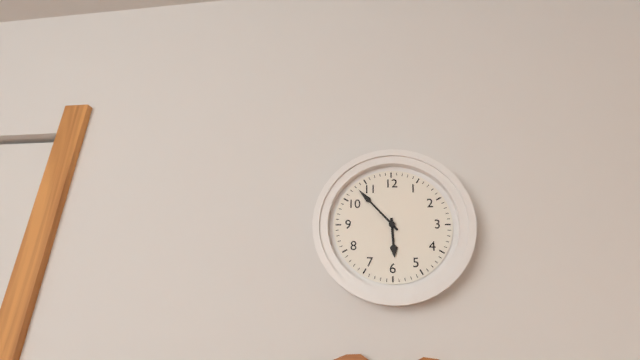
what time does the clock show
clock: 5:53
